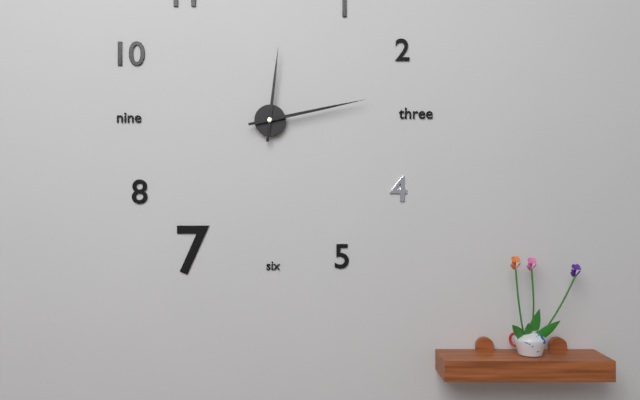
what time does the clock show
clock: 12:13
